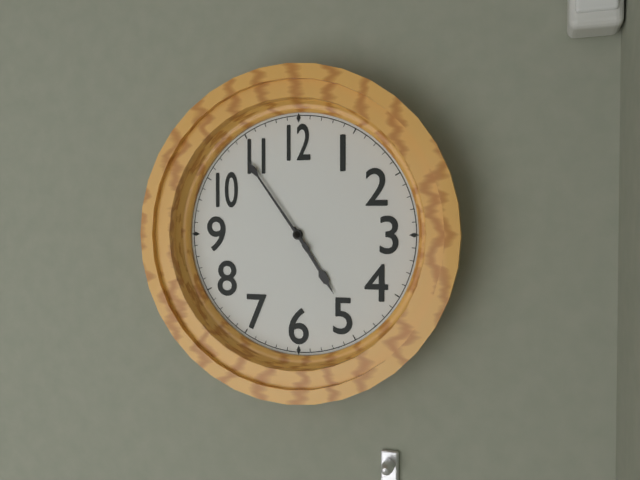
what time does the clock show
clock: 4:54
